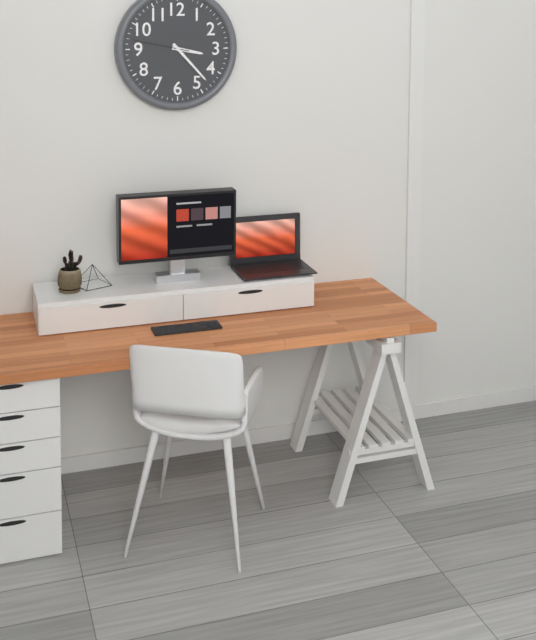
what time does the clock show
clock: 3:23:47
